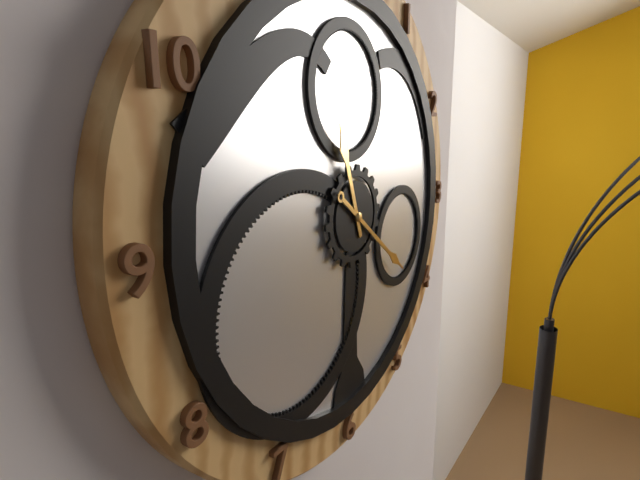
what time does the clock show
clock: 11:21
